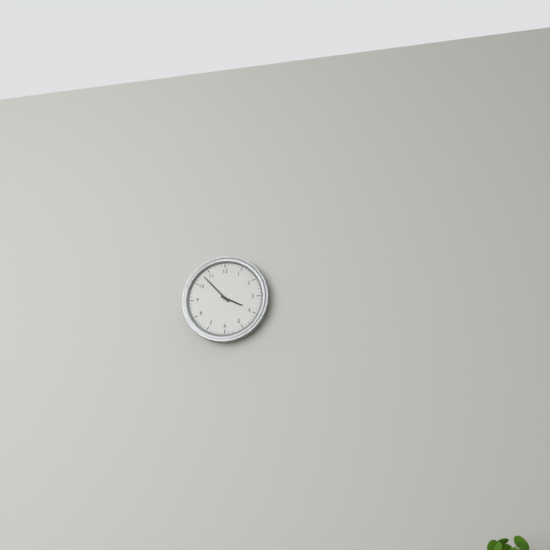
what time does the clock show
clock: 3:53
